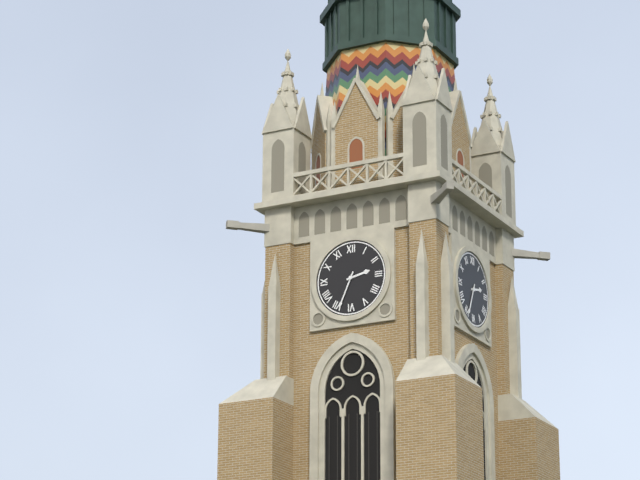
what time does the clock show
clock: 2:34
